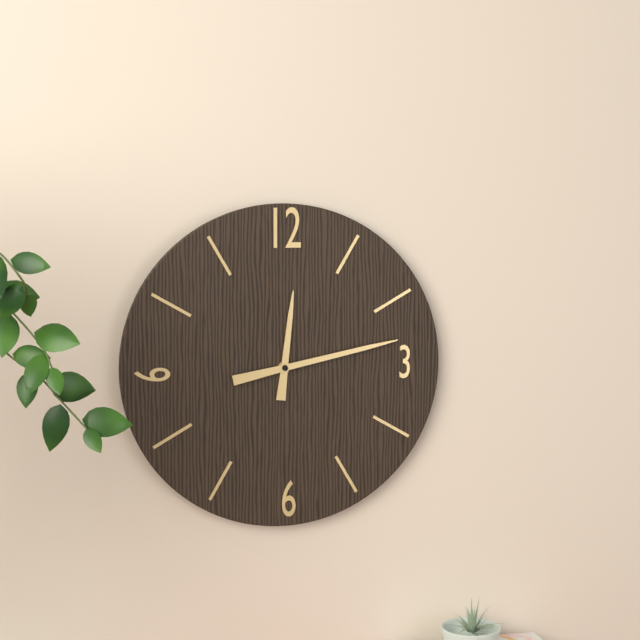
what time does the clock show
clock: 12:13
